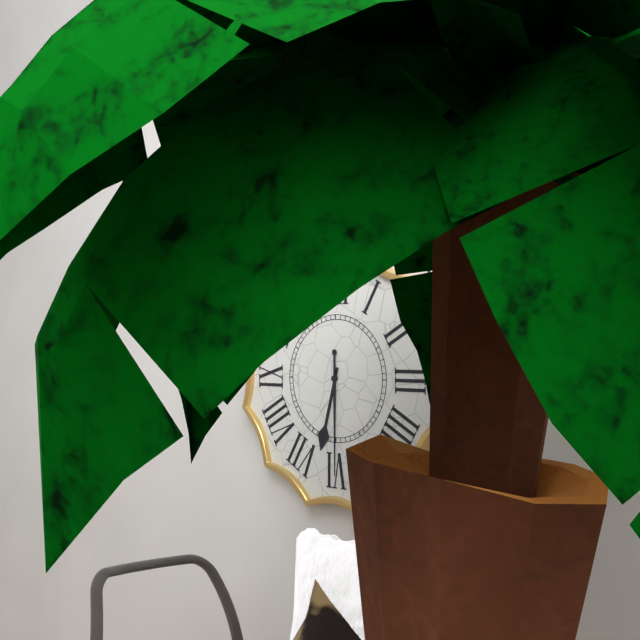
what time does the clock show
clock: 6:30
